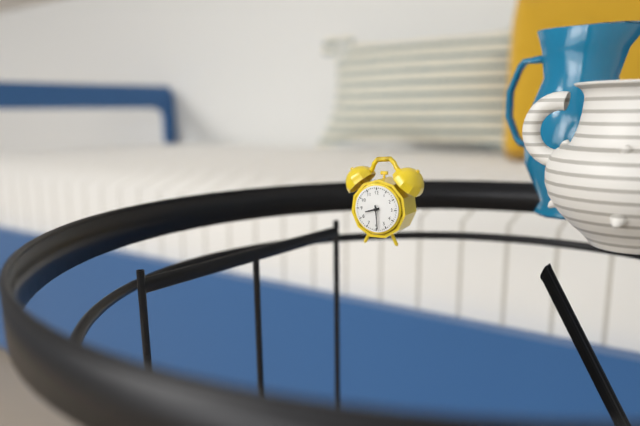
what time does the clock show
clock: 8:29
